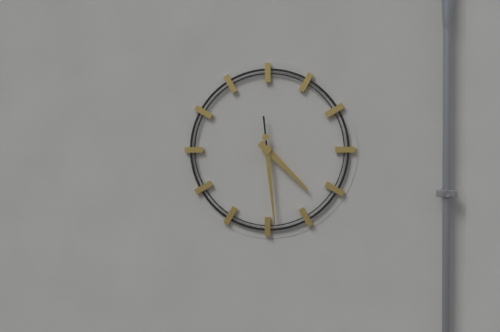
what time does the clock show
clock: 4:29
